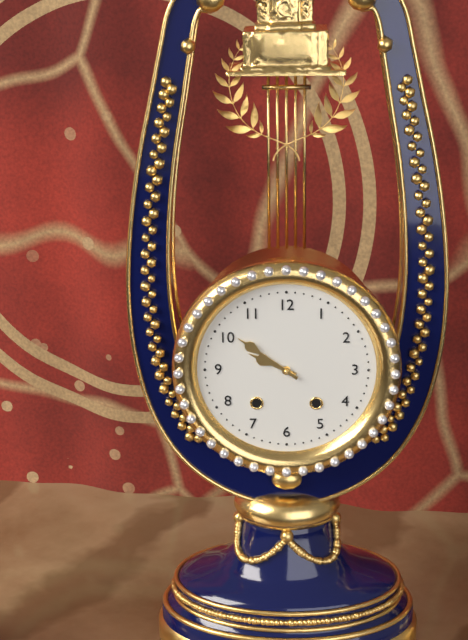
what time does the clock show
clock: 9:51
